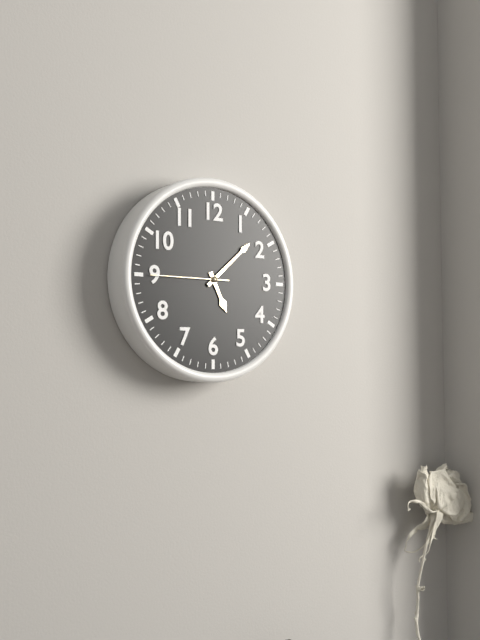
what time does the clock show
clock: 5:08:45
